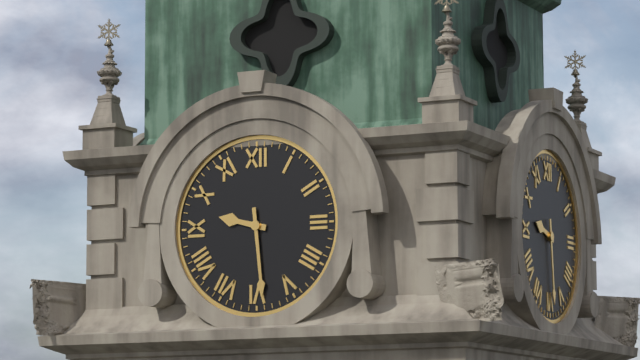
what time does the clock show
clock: 9:29
